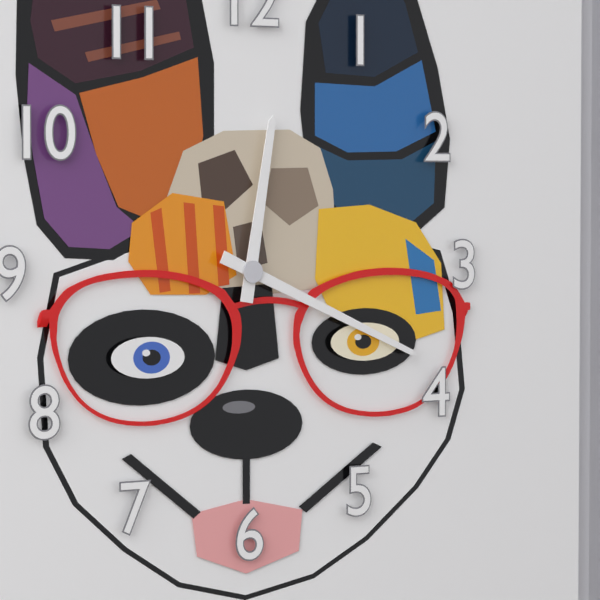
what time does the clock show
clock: 12:19
